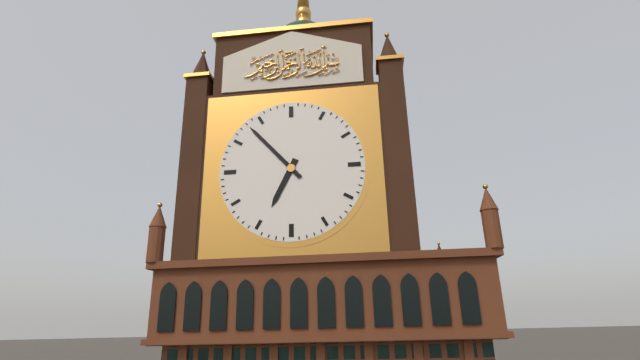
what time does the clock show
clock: 6:53
